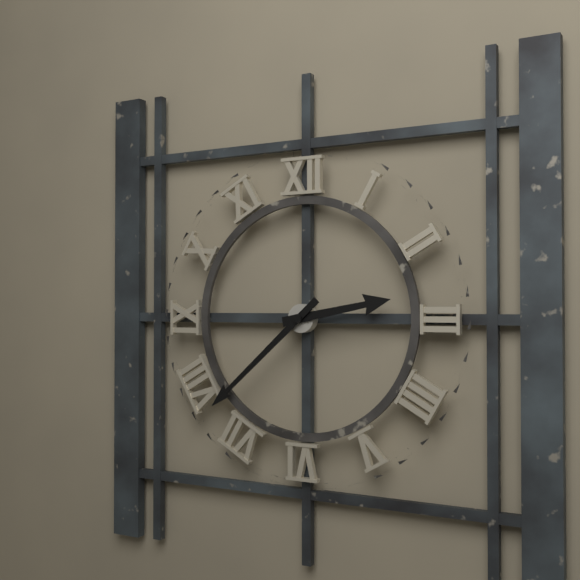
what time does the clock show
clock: 2:38
